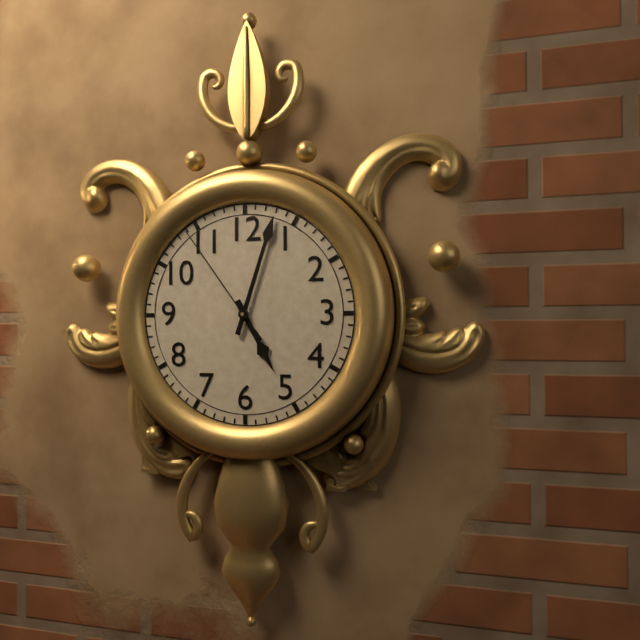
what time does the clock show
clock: 5:03:54
